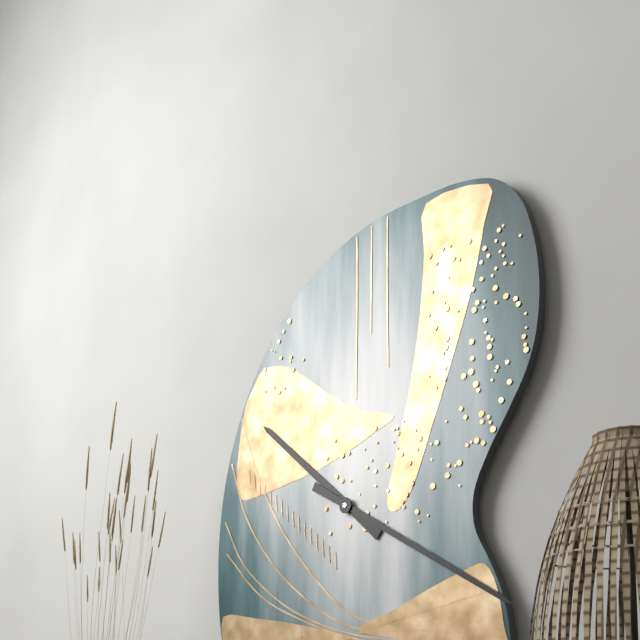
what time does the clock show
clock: 10:20
